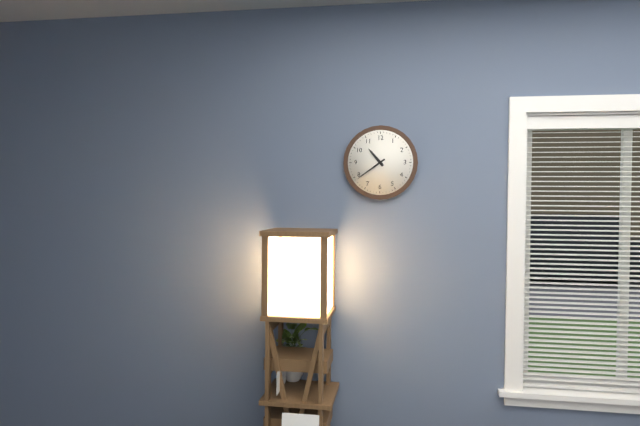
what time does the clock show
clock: 10:39
